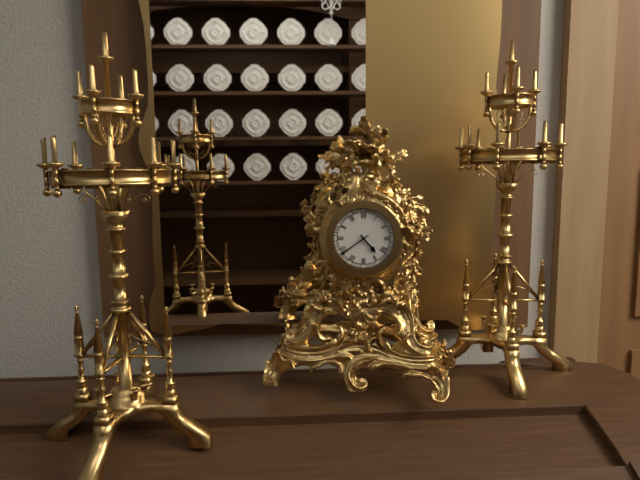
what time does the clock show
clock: 4:39
